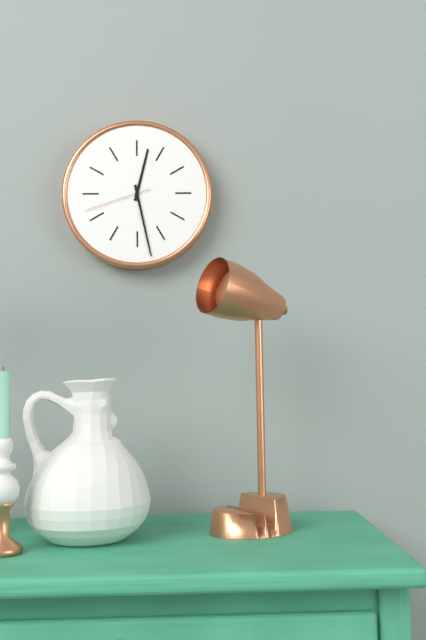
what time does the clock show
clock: 12:28:42
